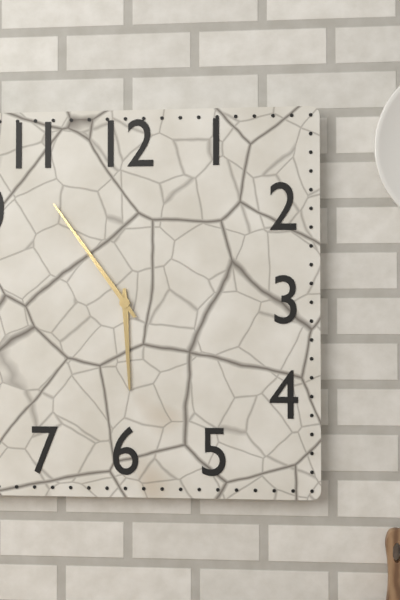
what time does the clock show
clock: 5:54
